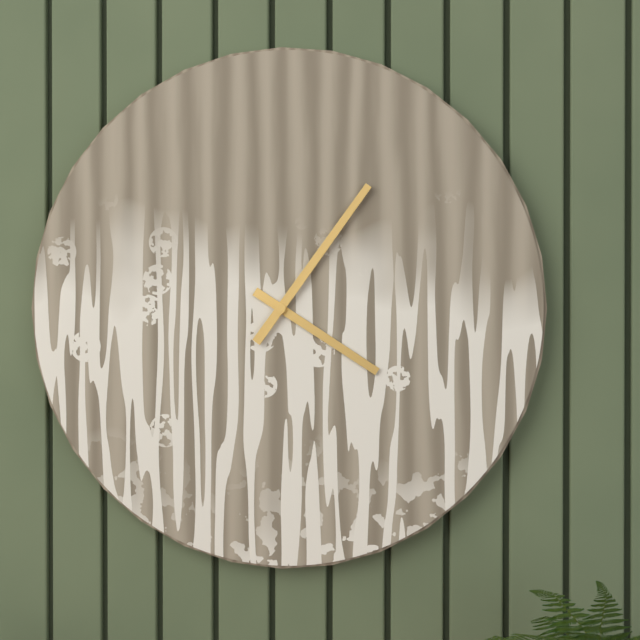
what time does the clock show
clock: 4:06
